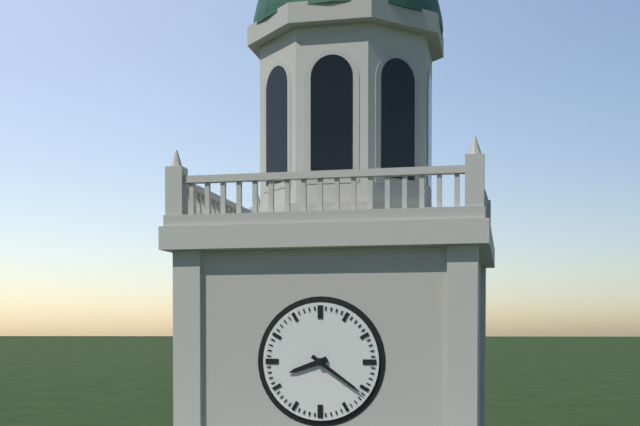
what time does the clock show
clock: 8:21
